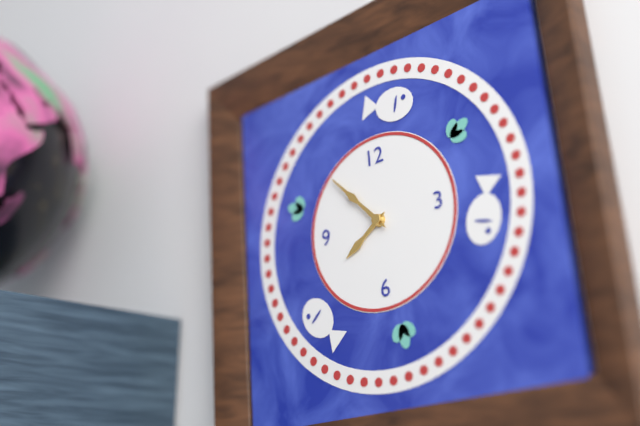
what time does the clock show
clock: 7:53
